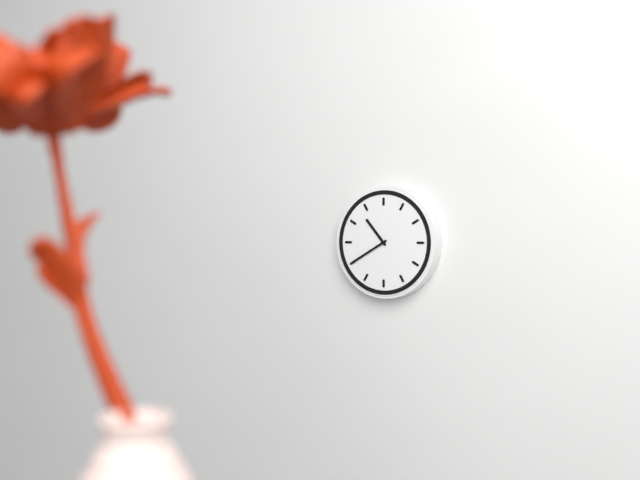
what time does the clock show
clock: 10:40
